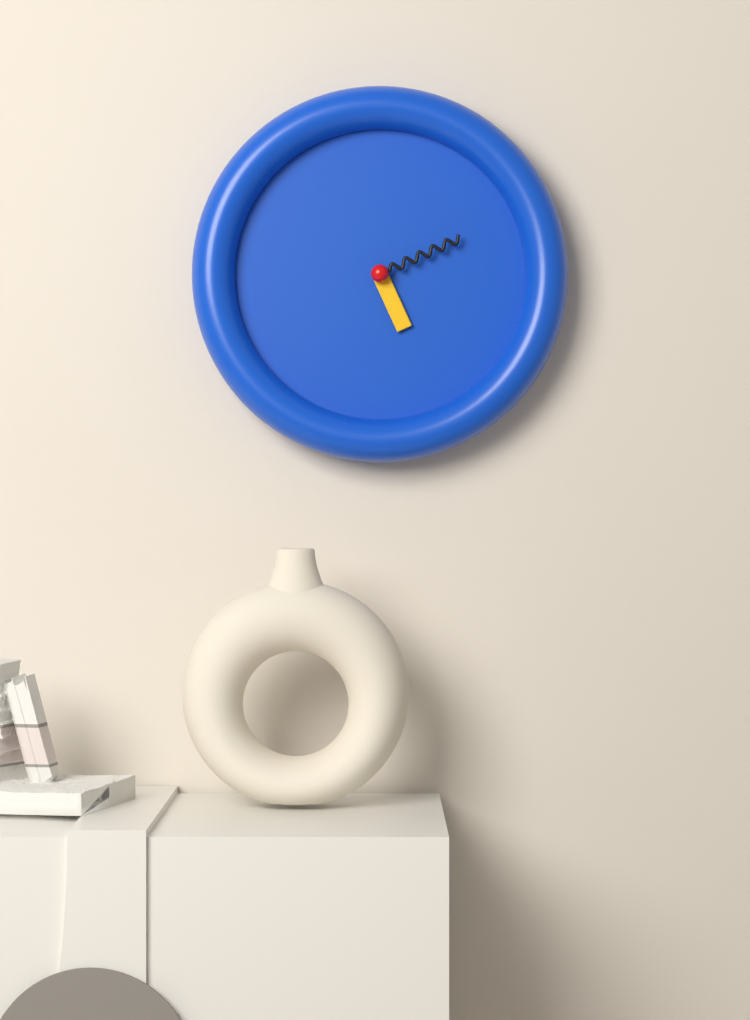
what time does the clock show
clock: 5:11
